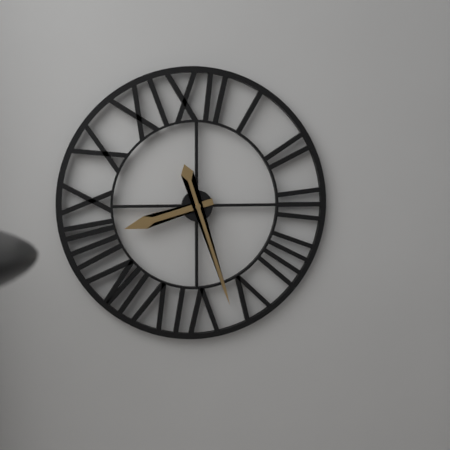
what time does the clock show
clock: 8:27
